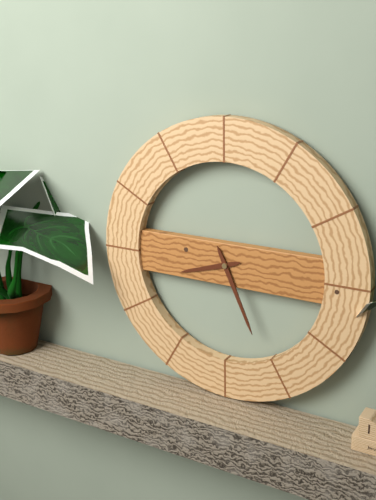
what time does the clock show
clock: 8:26
